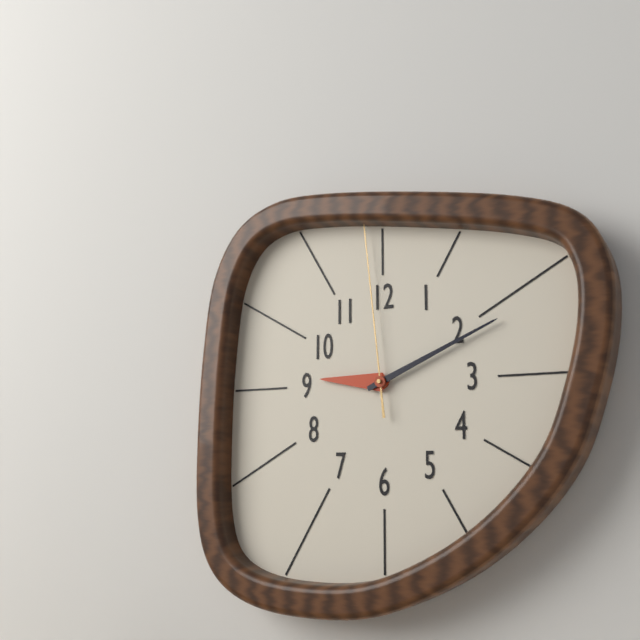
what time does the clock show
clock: 9:11:59
